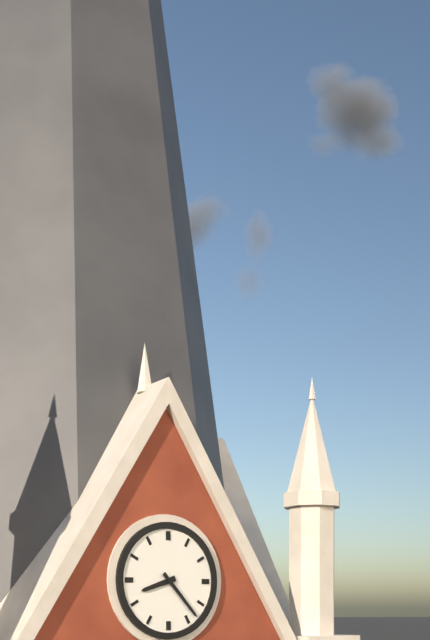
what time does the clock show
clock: 8:23
